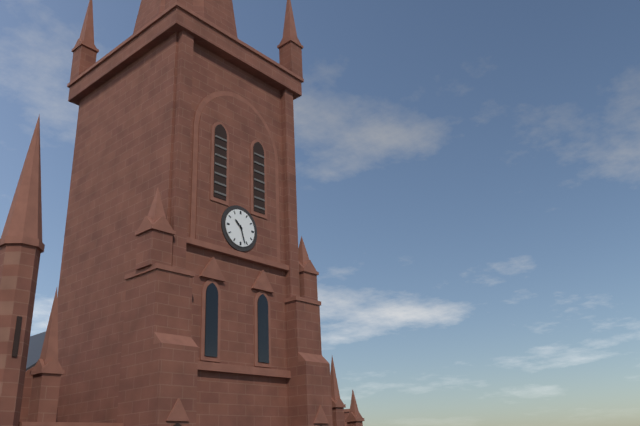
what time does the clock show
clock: 10:27
